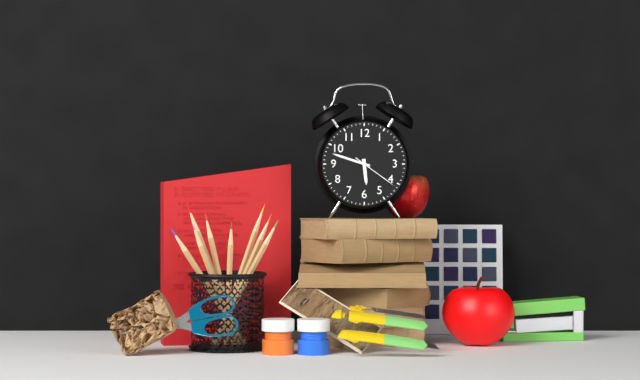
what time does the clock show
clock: 5:48
